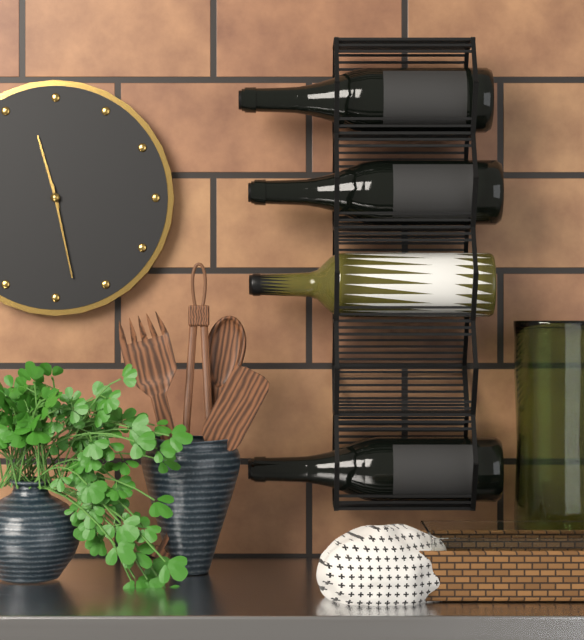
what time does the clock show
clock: 11:28
